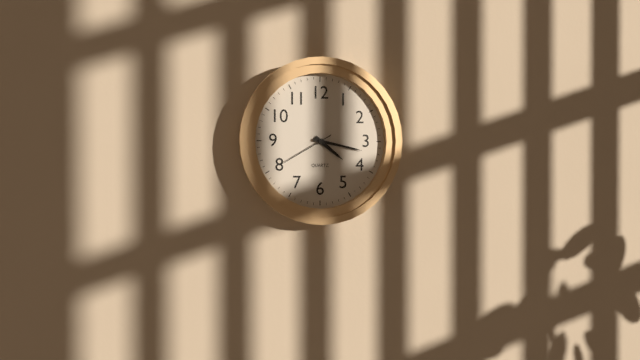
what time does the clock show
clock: 4:17:40
